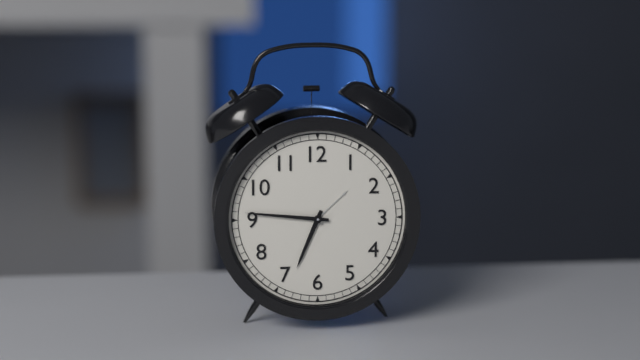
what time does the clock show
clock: 6:46
